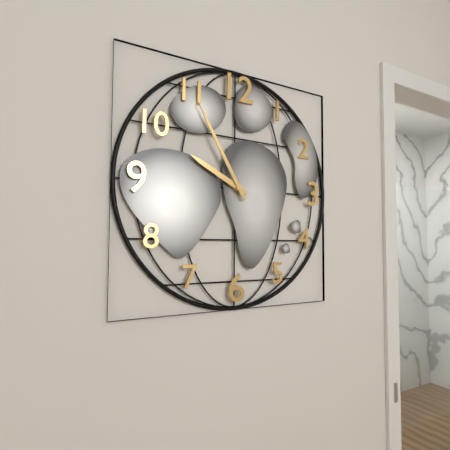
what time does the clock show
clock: 9:55
